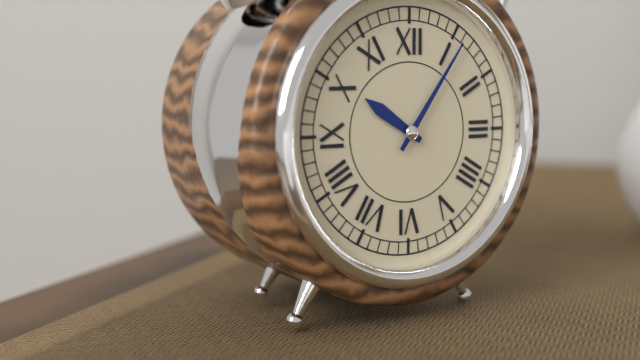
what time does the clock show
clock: 10:06
